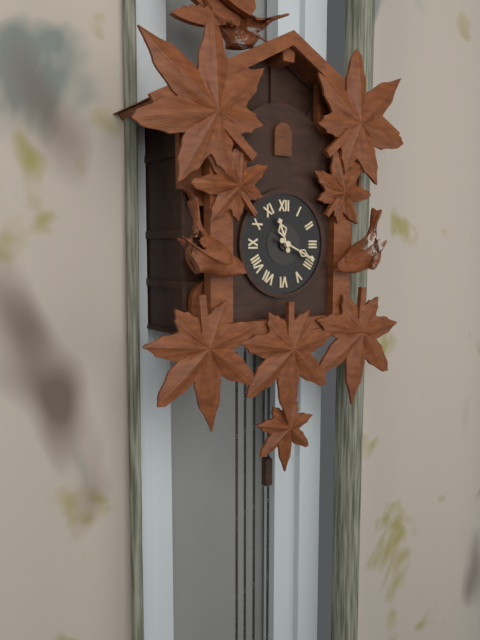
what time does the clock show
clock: 11:19
